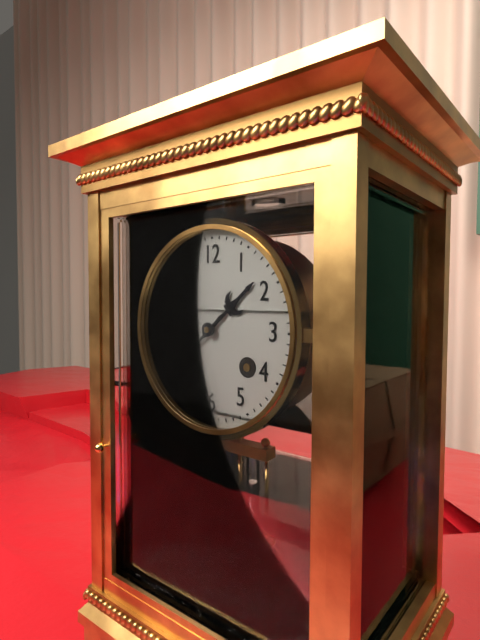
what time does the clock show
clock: 1:38
